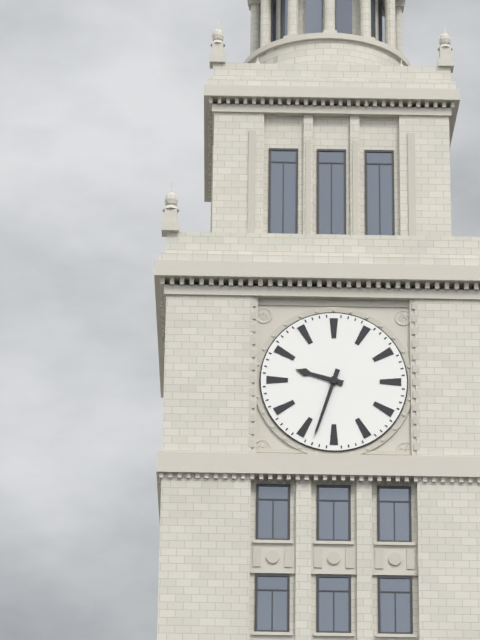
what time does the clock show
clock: 9:33
